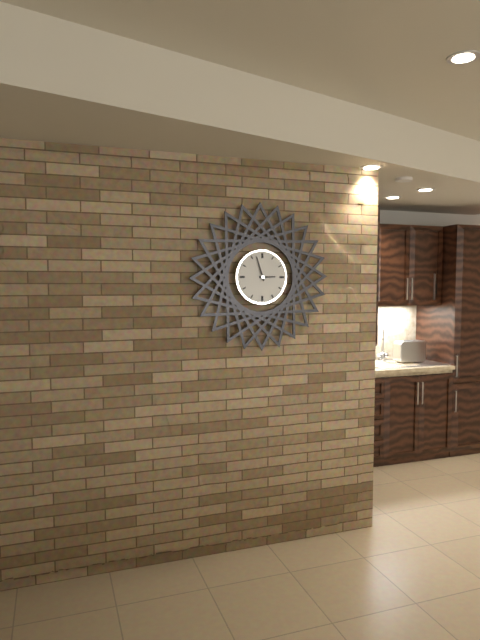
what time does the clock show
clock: 2:57
